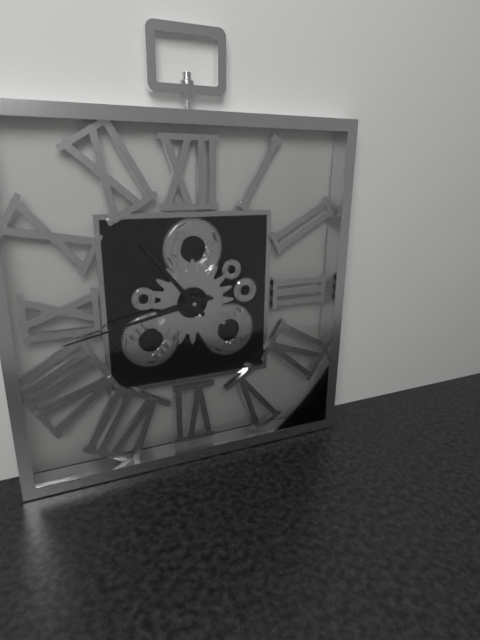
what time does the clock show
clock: 10:43
